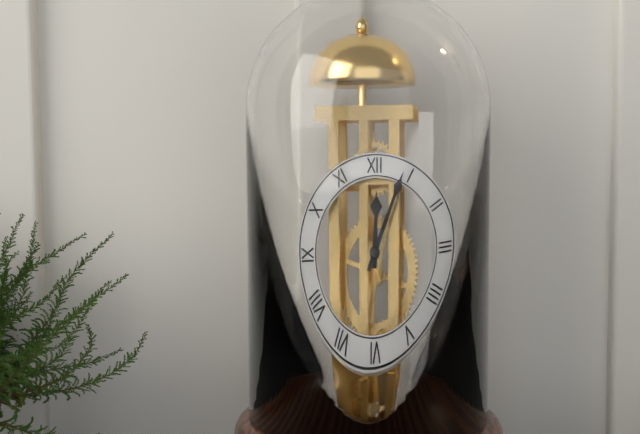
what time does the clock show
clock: 12:04
